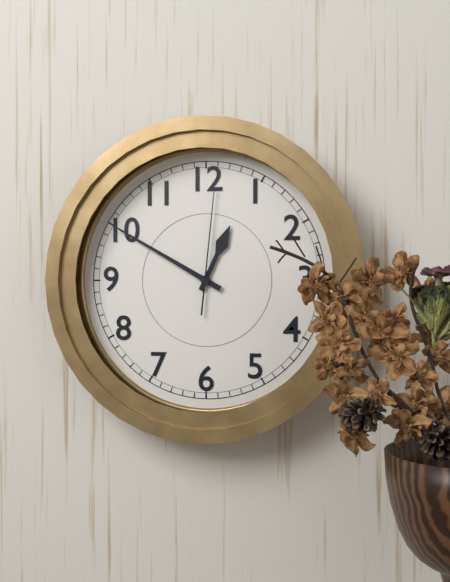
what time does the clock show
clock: 12:50:01
